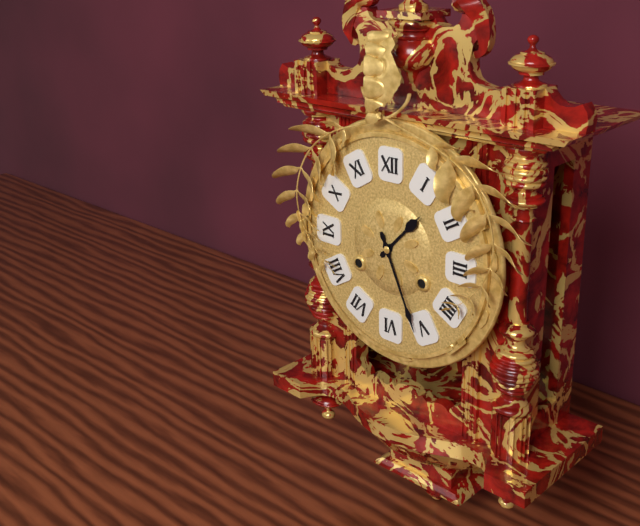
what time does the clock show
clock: 1:26
